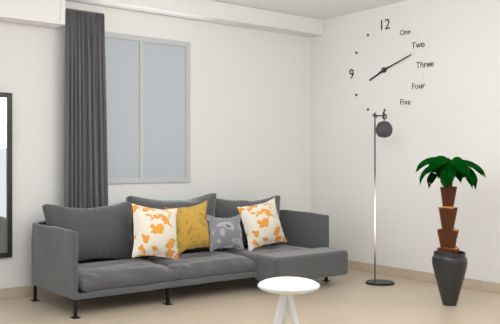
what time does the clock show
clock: 8:12
